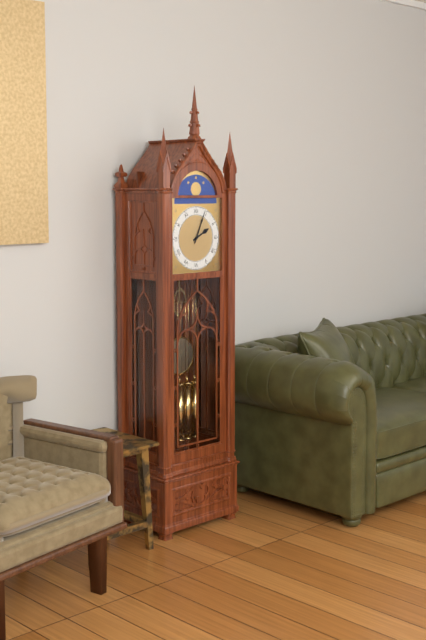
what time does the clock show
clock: 2:04
